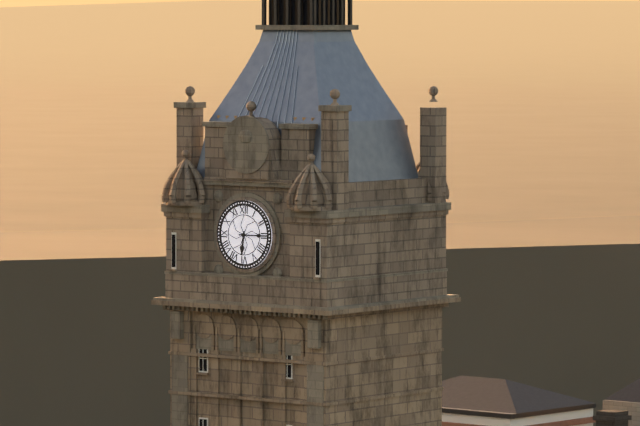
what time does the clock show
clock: 6:15
